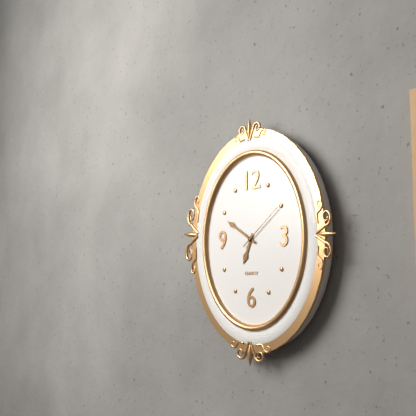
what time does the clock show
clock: 6:50
